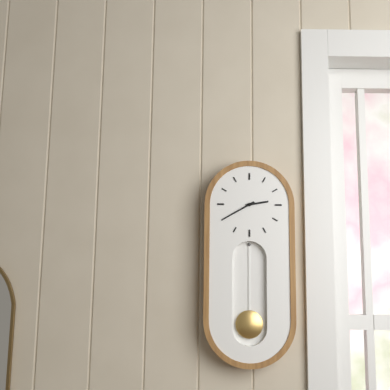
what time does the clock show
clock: 2:40
